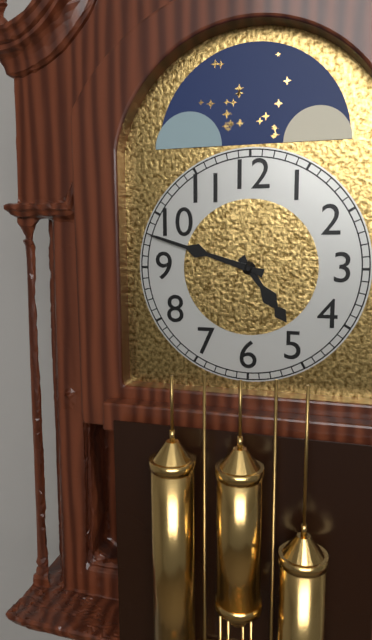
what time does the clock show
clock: 4:48
